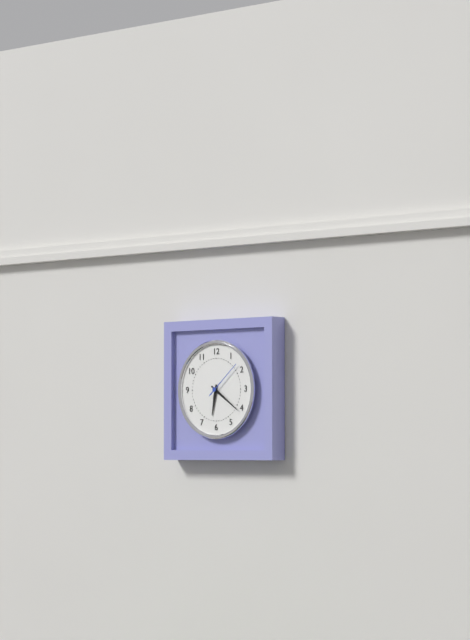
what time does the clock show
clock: 6:21
